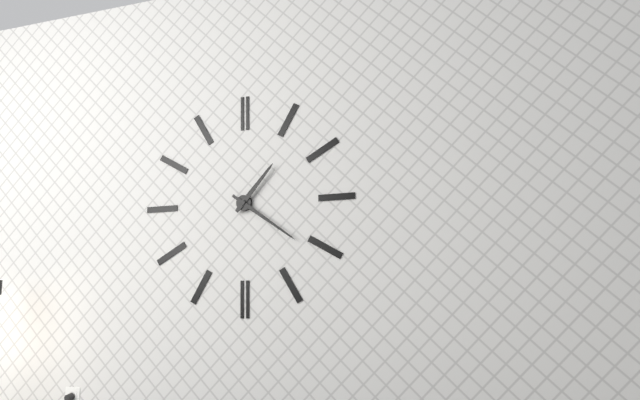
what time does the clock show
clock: 1:21
